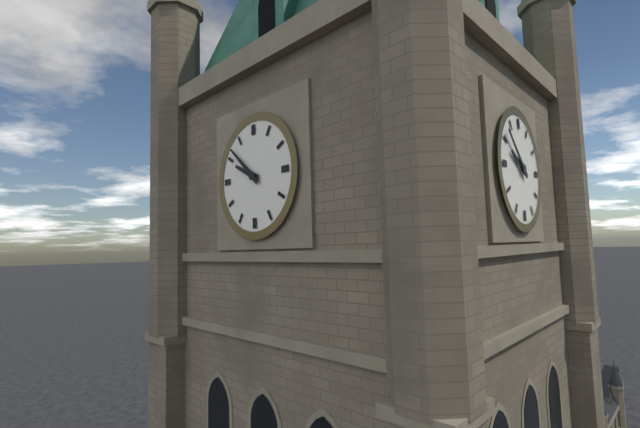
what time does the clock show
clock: 9:52
